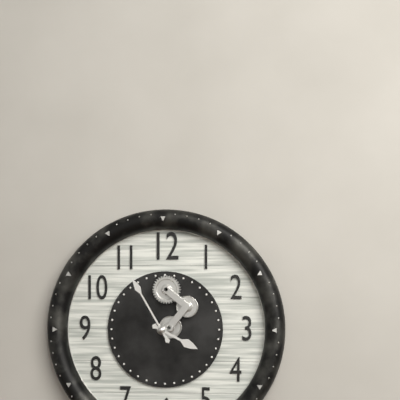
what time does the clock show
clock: 3:55
